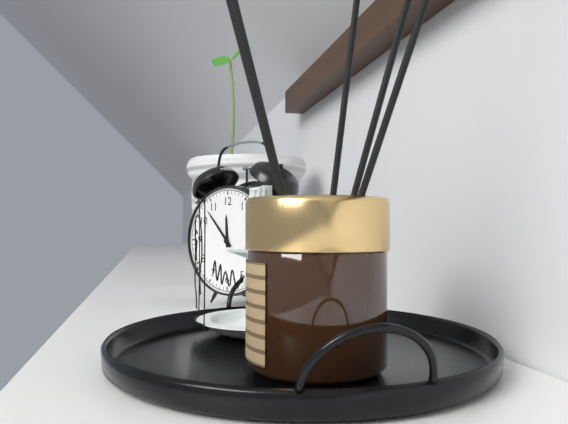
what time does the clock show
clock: 11:53
